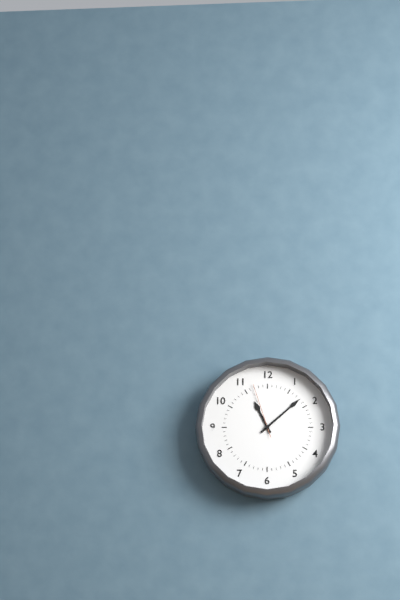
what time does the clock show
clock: 11:08:57
